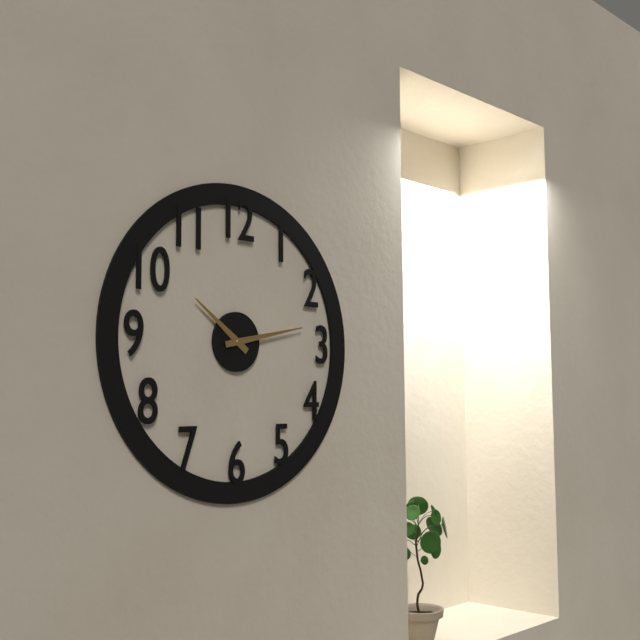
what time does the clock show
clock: 10:13
